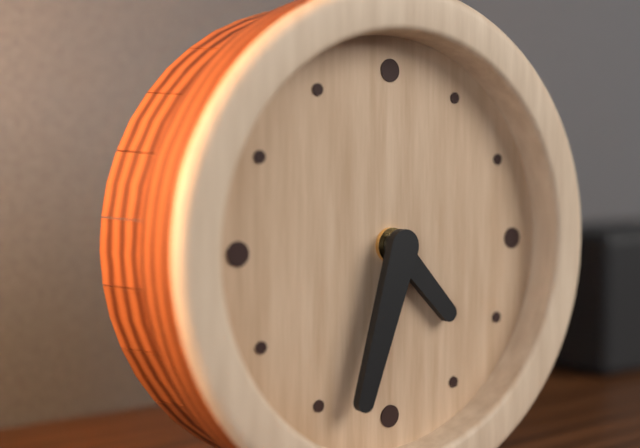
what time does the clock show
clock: 4:33
